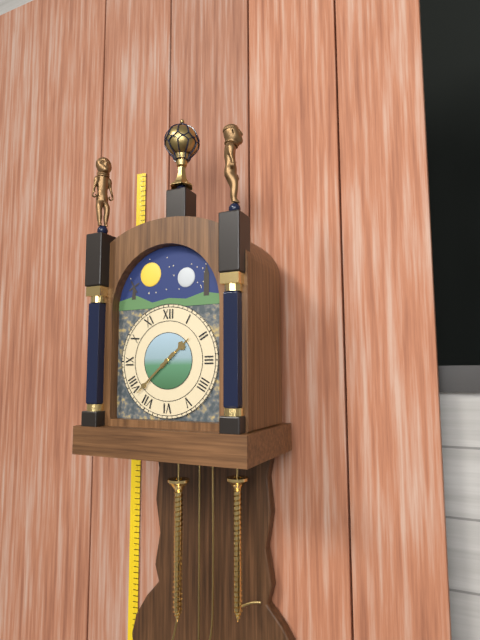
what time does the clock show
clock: 1:38
